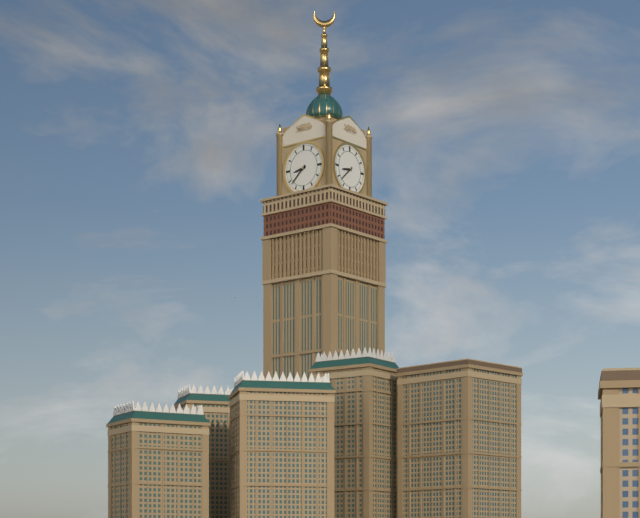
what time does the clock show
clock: 8:38
